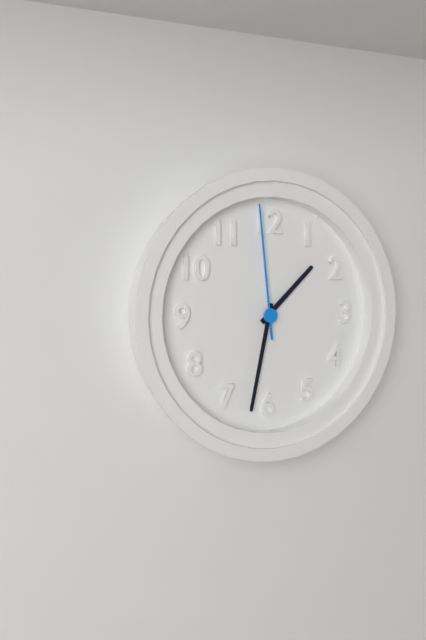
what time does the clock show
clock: 1:32:59
